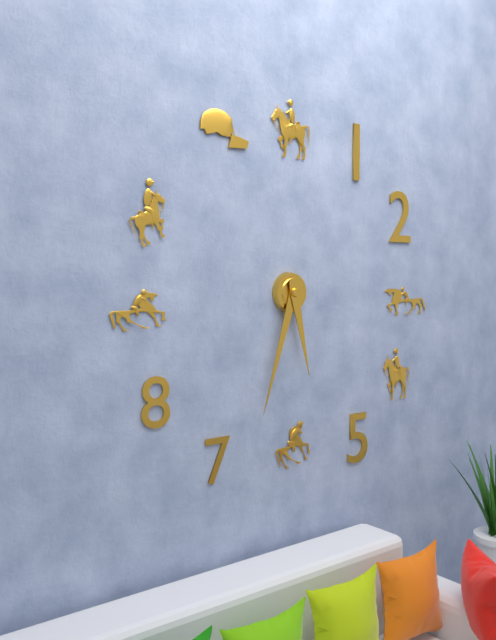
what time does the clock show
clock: 5:33
